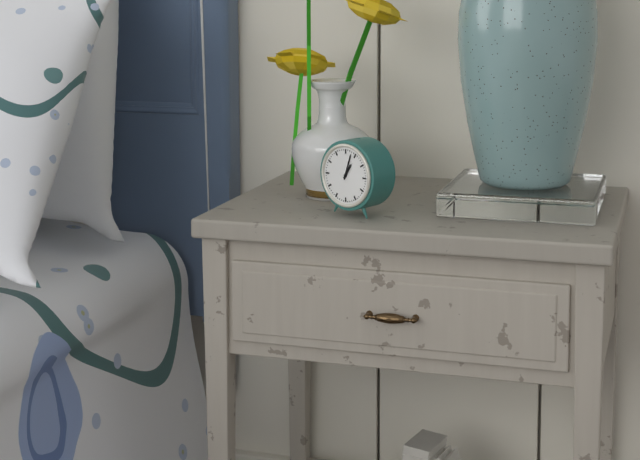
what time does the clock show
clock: 1:03
